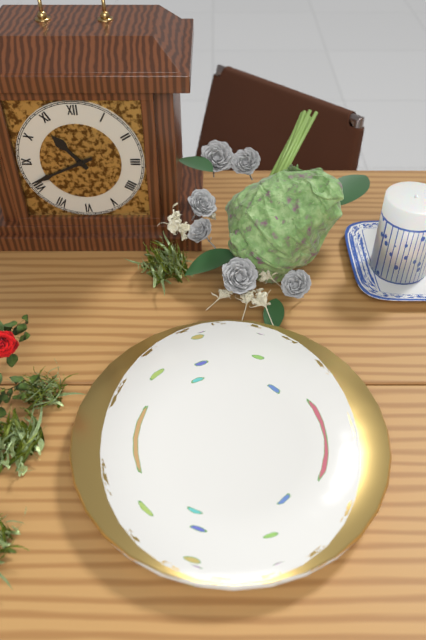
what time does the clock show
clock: 10:41
